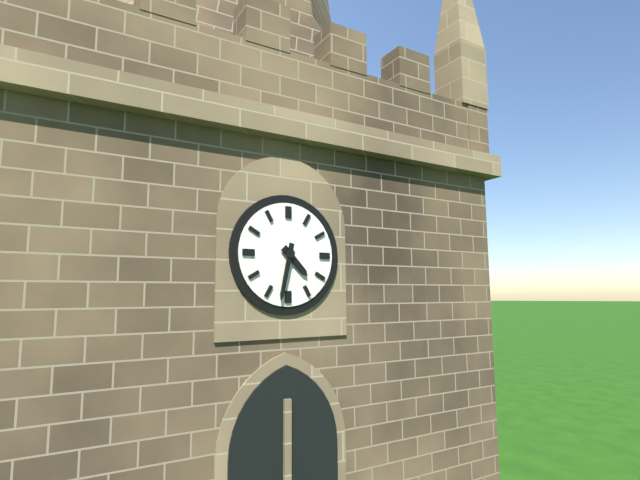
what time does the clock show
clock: 4:32
